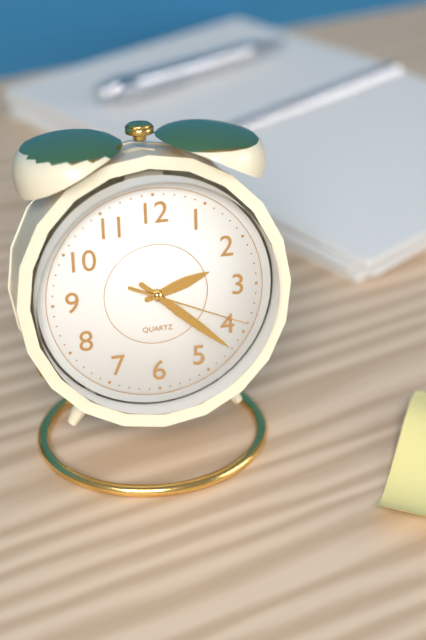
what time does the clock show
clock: 2:22:19
